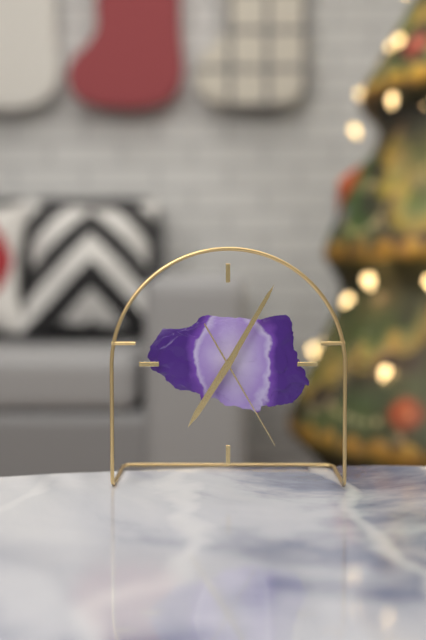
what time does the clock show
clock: 7:05:25
